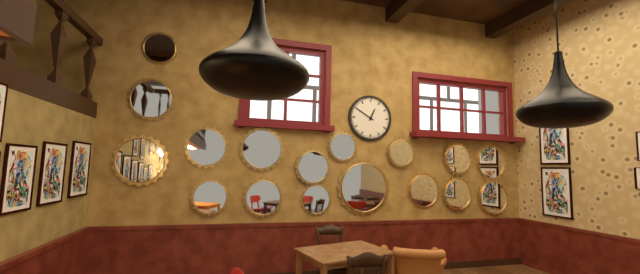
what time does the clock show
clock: 12:50
